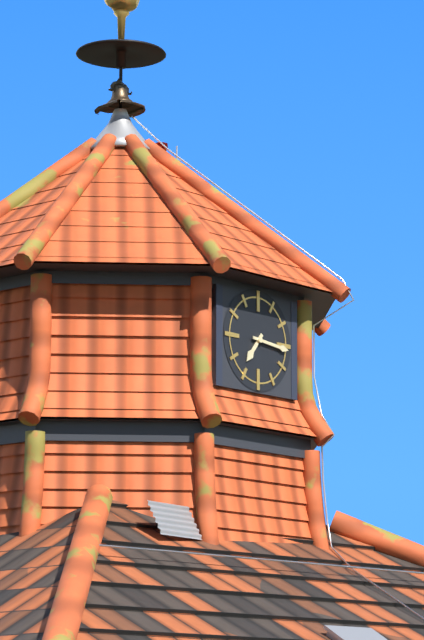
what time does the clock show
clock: 7:16
